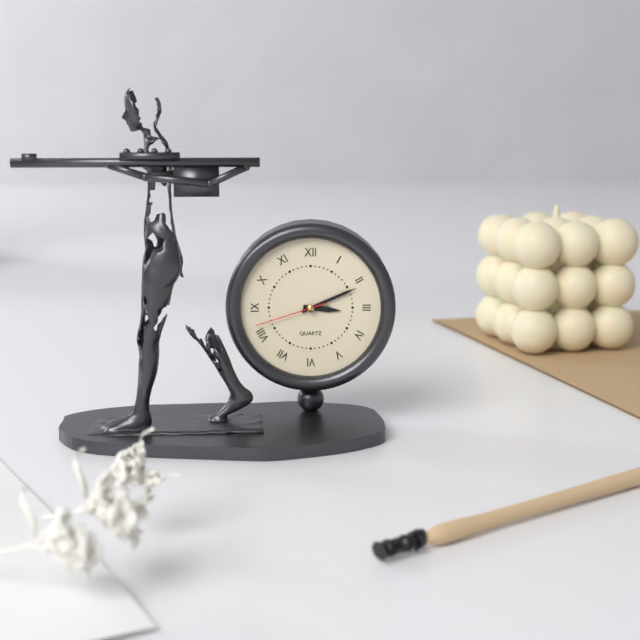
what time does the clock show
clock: 3:11:42
